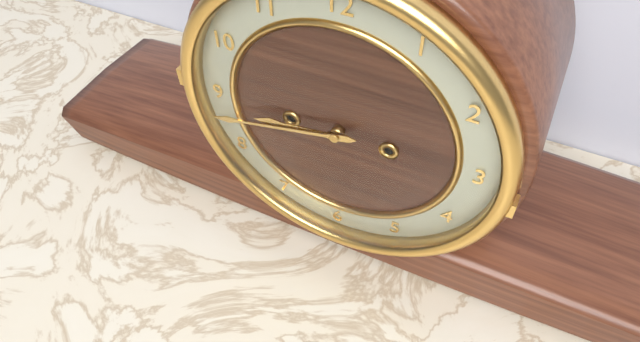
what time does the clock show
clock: 8:43
